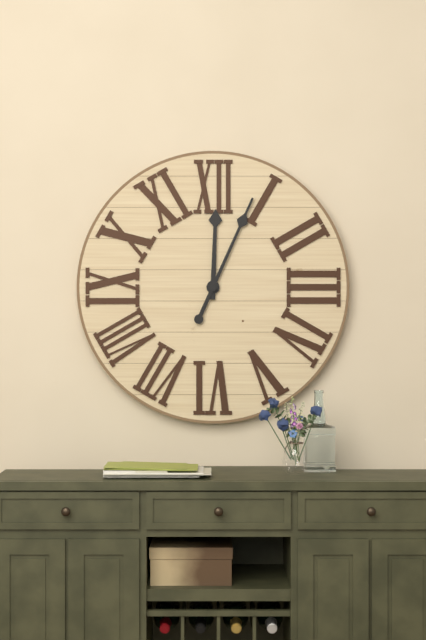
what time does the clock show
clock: 12:04
